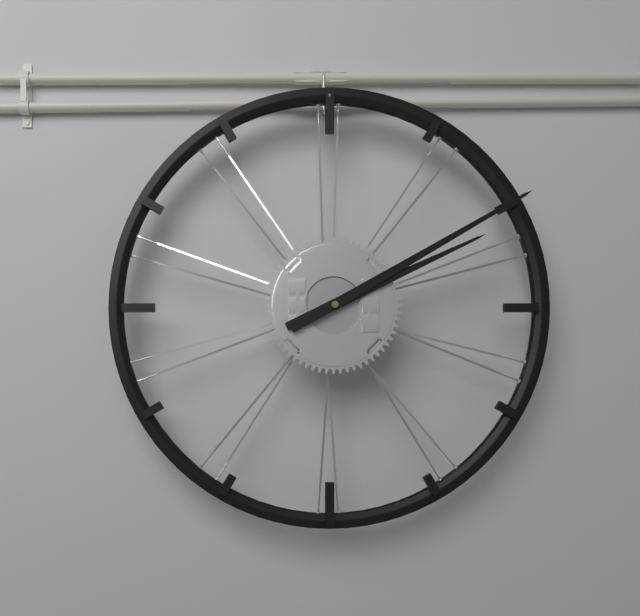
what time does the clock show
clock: 2:10
